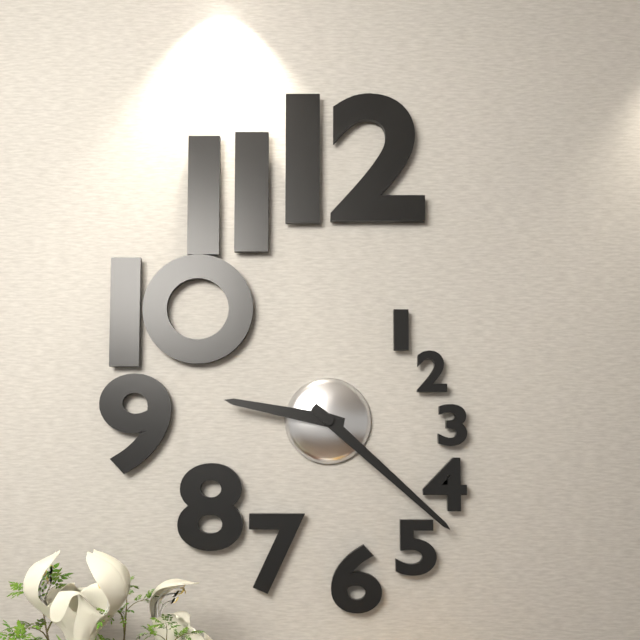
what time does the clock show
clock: 9:22
